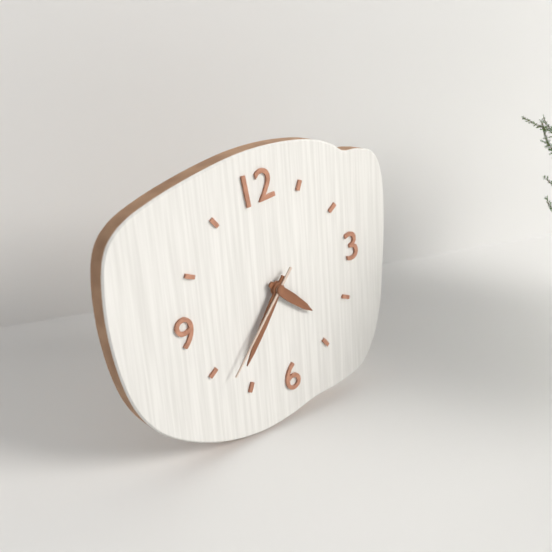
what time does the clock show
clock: 4:37:38
